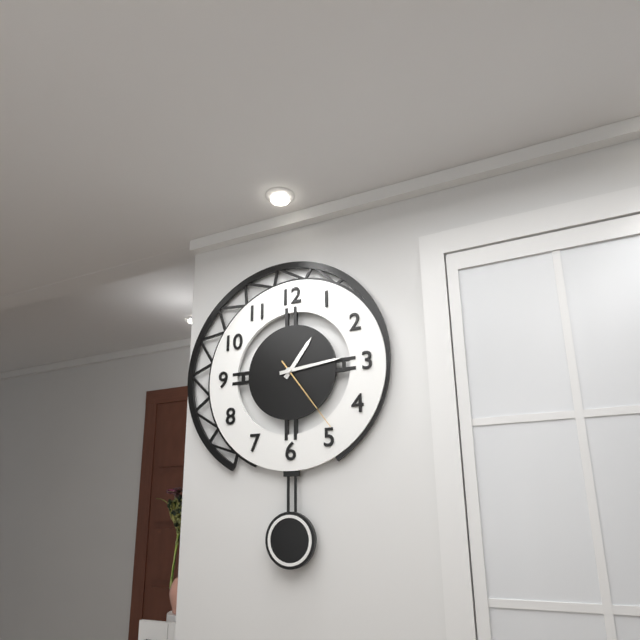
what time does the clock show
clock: 1:14:24
